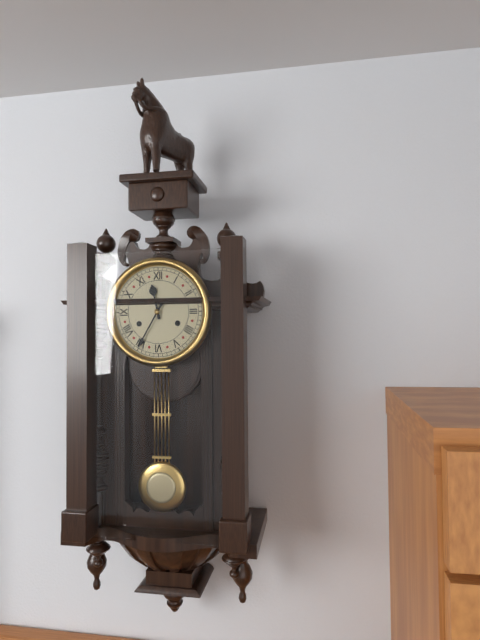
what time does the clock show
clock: 11:35
